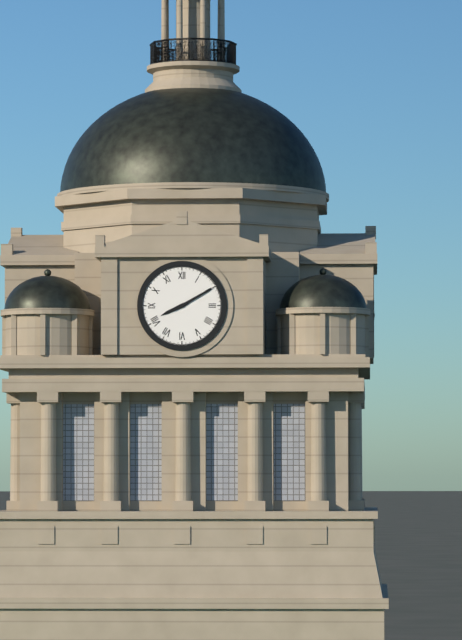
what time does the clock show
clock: 8:10
